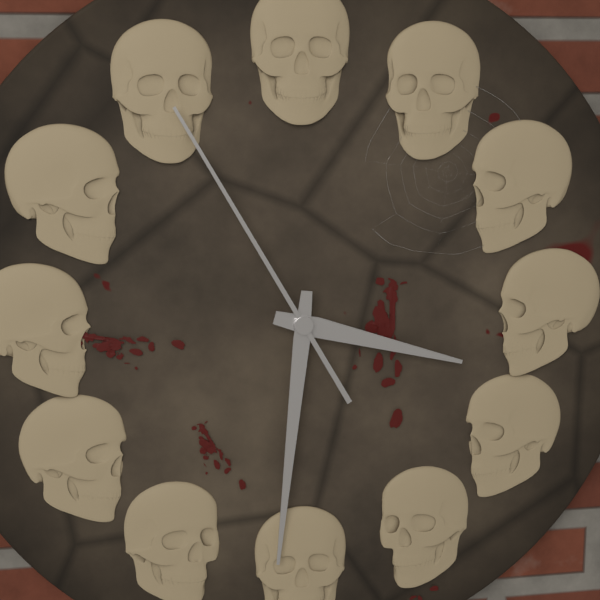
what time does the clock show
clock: 3:31:55
